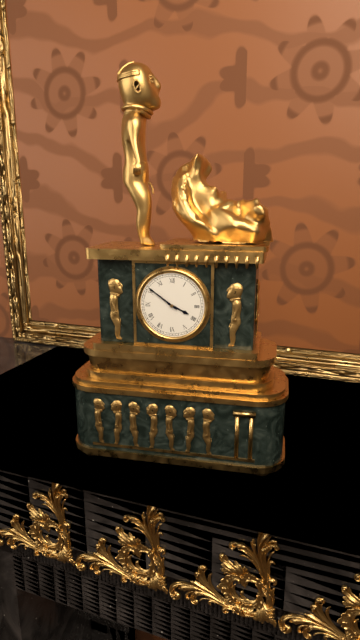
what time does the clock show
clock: 3:51
